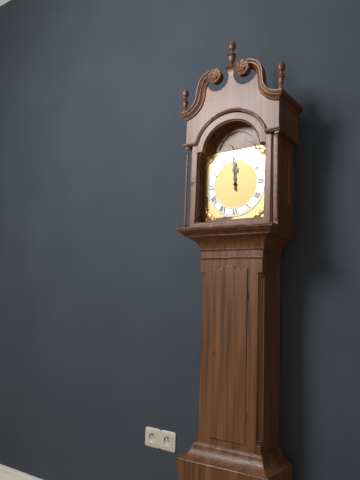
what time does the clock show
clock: 11:59
